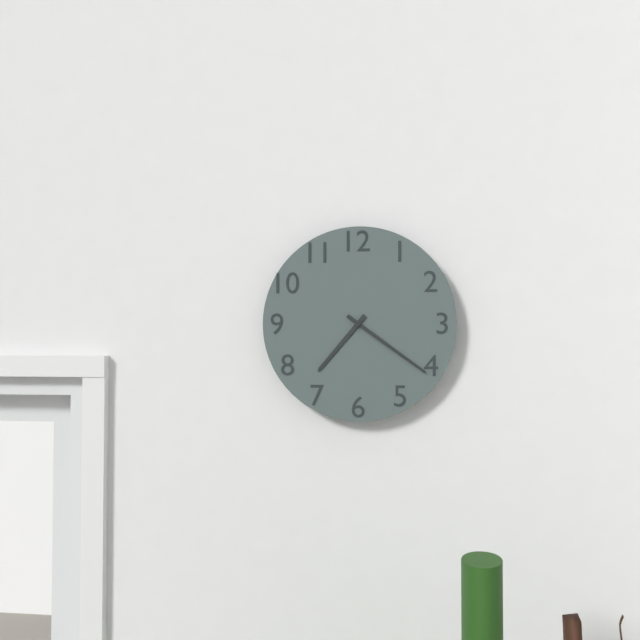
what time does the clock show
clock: 7:21
